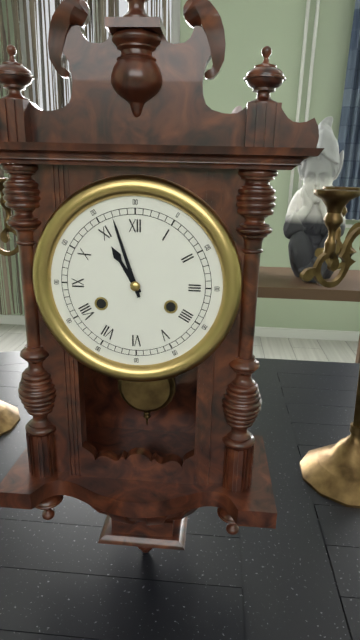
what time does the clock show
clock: 10:57
